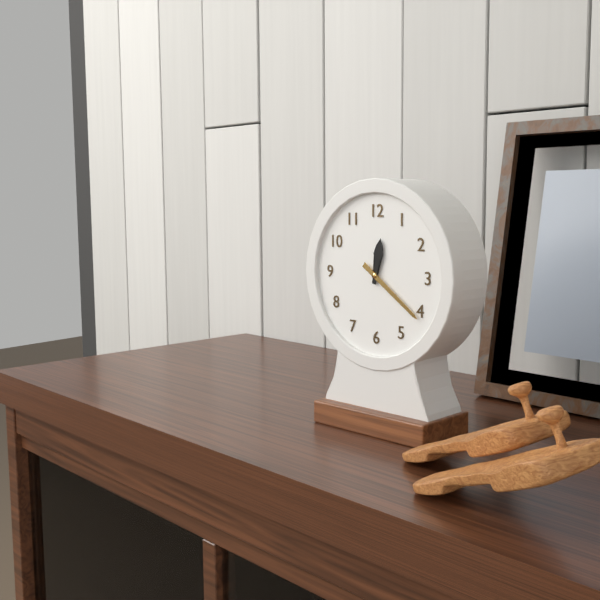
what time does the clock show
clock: 12:21
